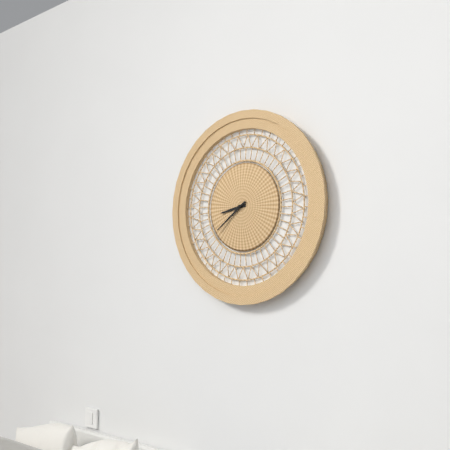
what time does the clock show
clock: 8:39
